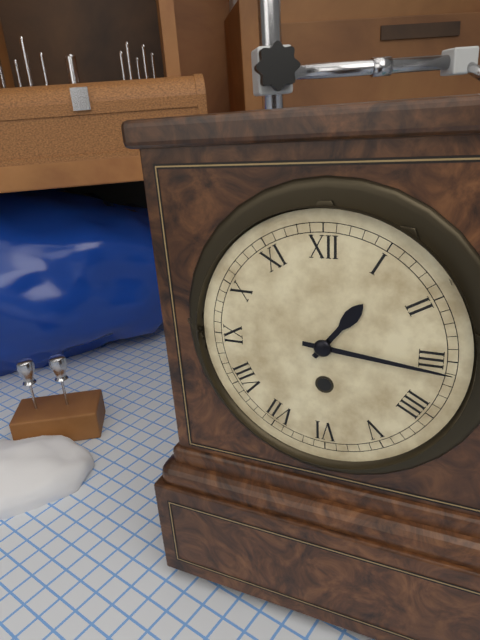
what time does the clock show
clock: 1:16
